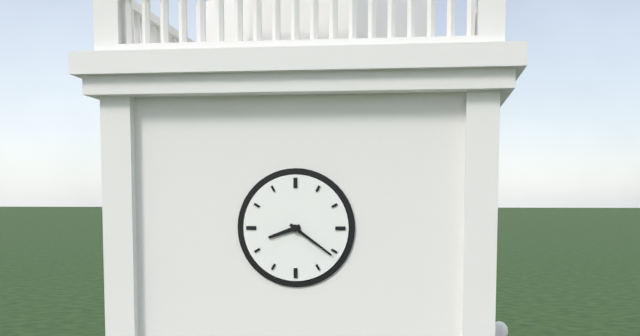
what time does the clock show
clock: 8:21
